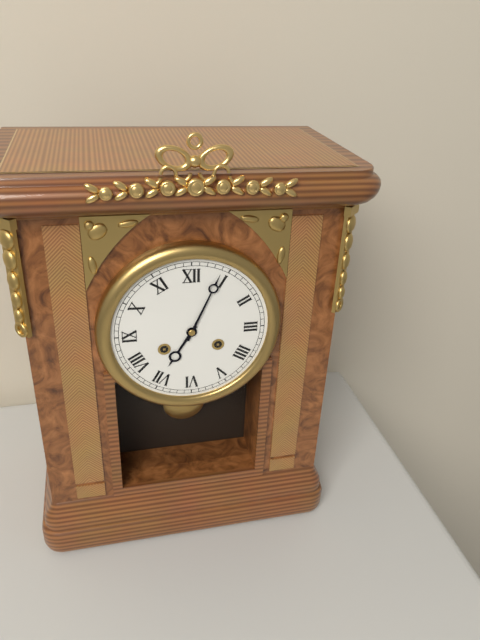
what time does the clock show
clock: 7:04
